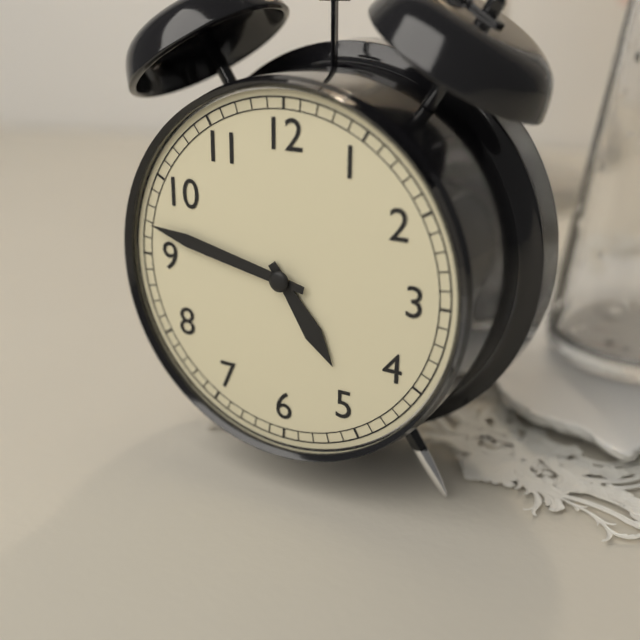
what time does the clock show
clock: 4:47
